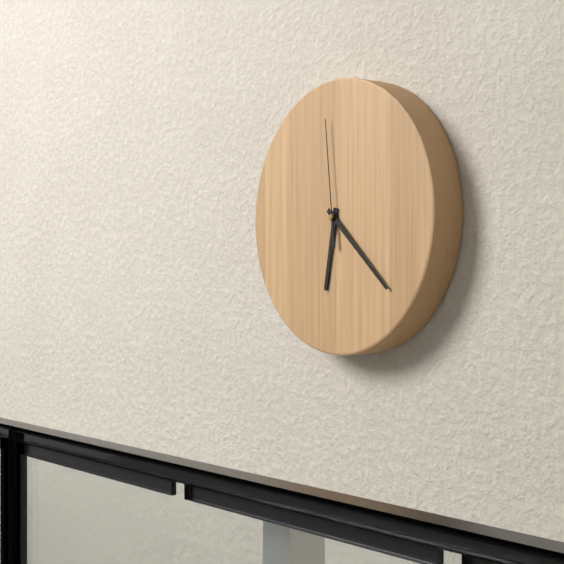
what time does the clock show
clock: 6:22:59
